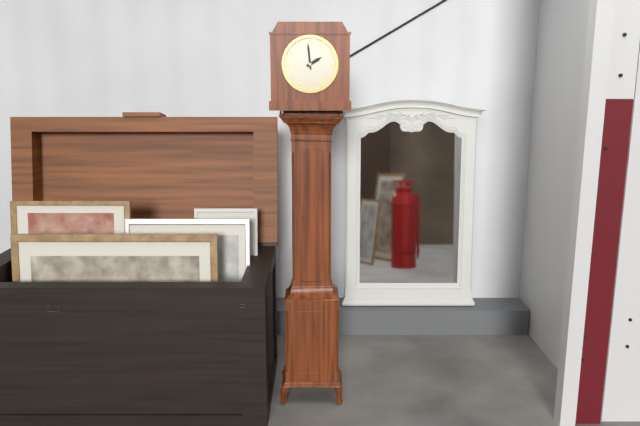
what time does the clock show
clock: 1:59
